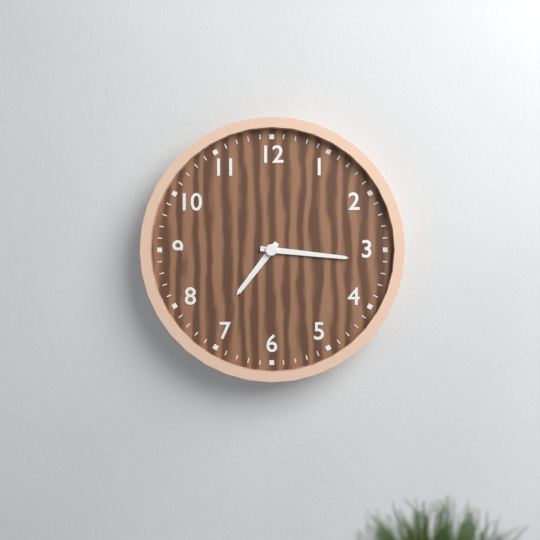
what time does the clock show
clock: 7:16
